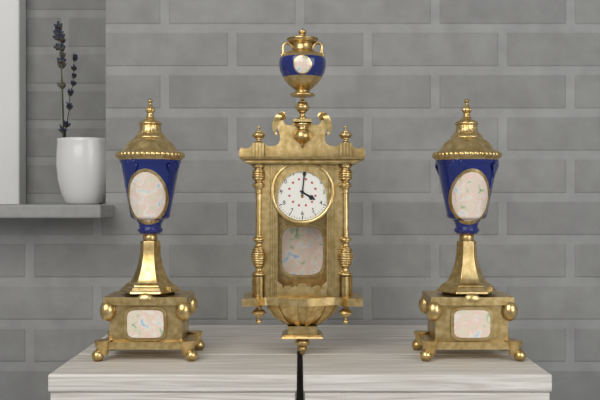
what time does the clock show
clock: 4:01
